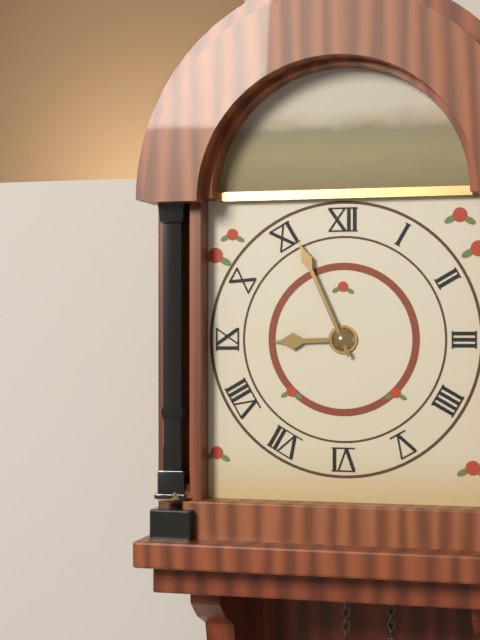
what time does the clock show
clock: 8:56
